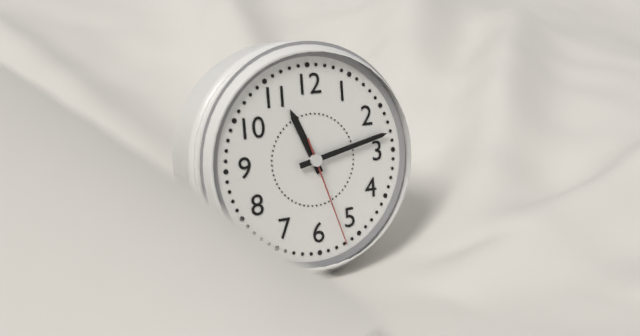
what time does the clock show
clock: 11:13:27
